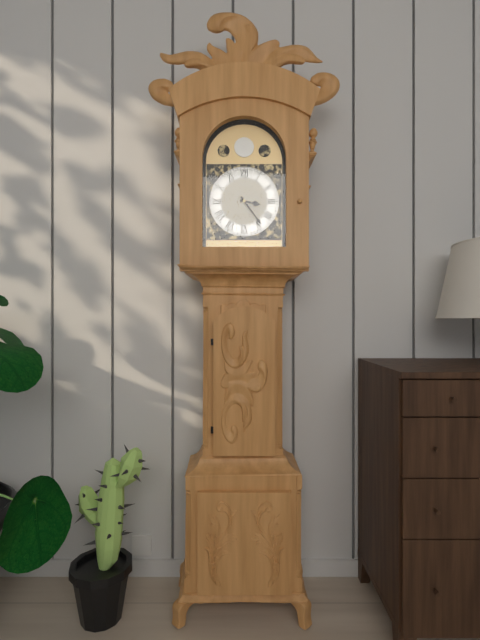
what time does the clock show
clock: 3:24
